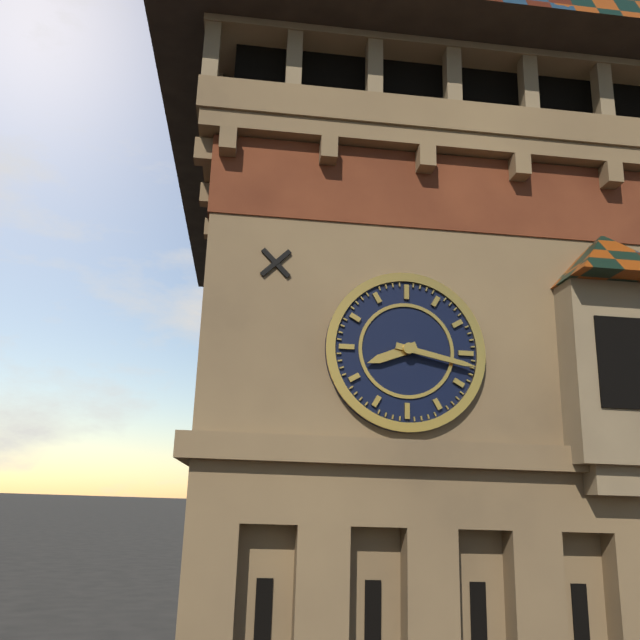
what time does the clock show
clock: 8:17
